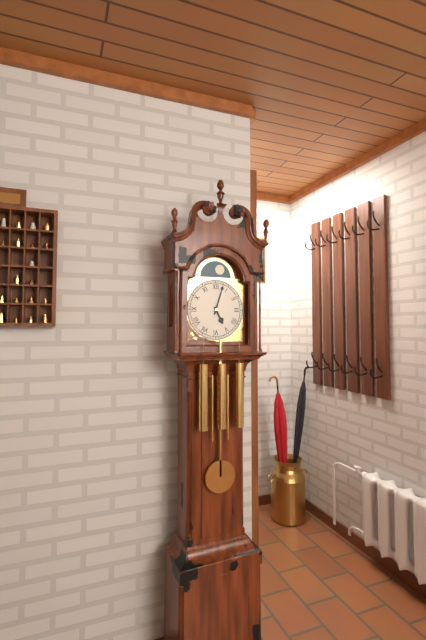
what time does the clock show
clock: 5:03
